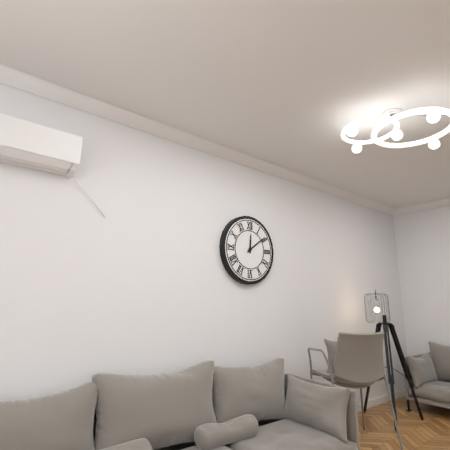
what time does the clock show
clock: 12:09
